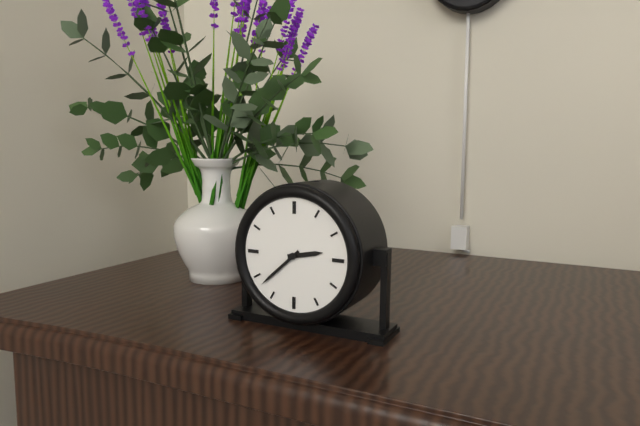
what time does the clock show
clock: 2:38
